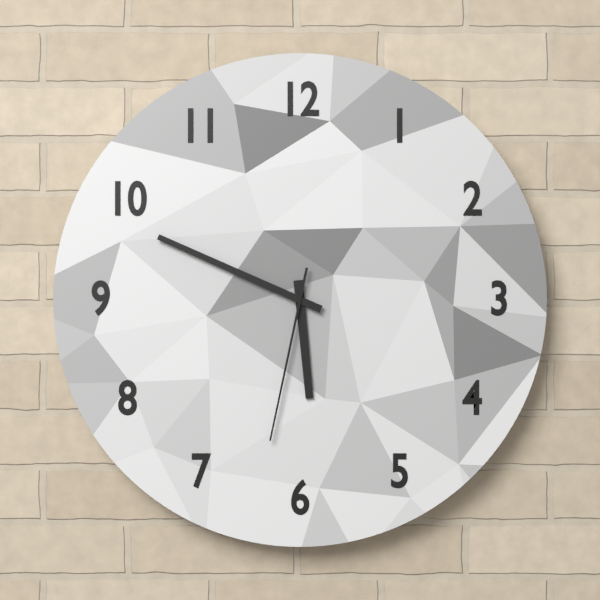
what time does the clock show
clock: 5:49:32
